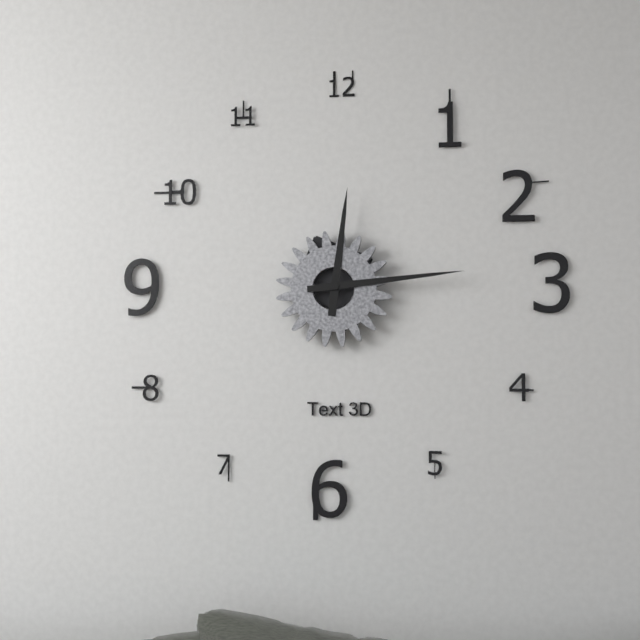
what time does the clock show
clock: 12:14
